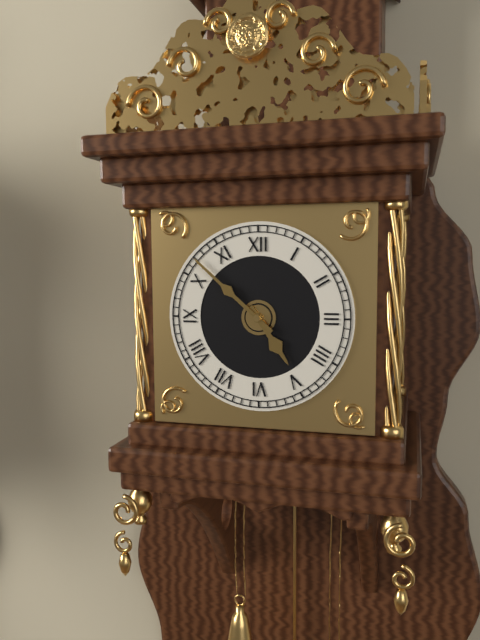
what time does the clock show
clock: 4:52
